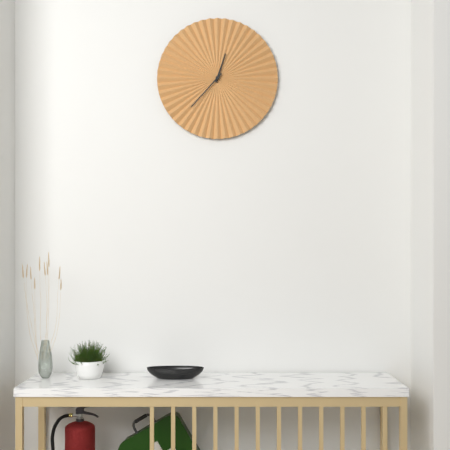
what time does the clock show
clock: 12:37
